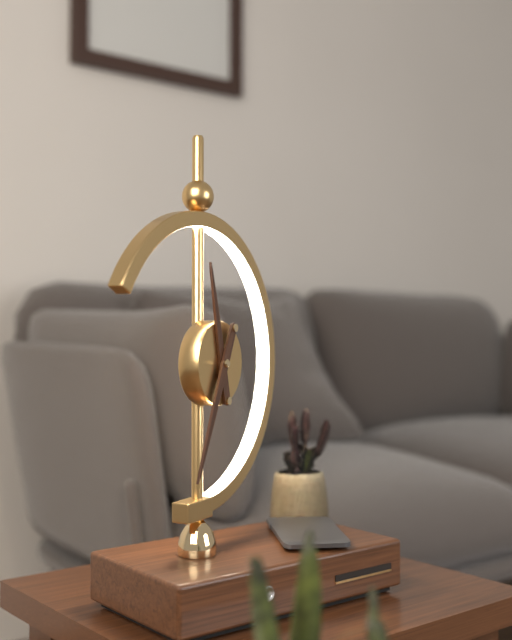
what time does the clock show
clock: 11:34
